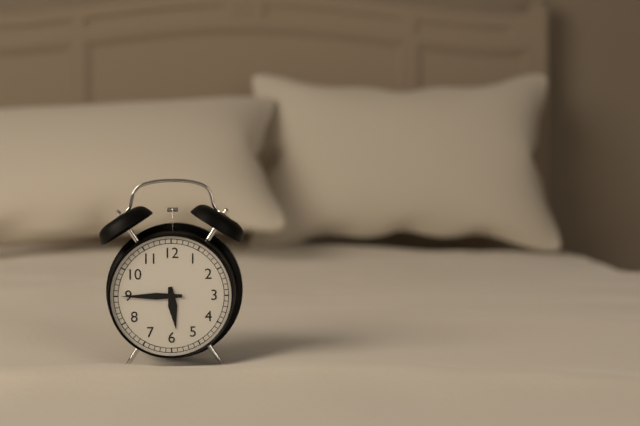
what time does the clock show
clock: 5:45
